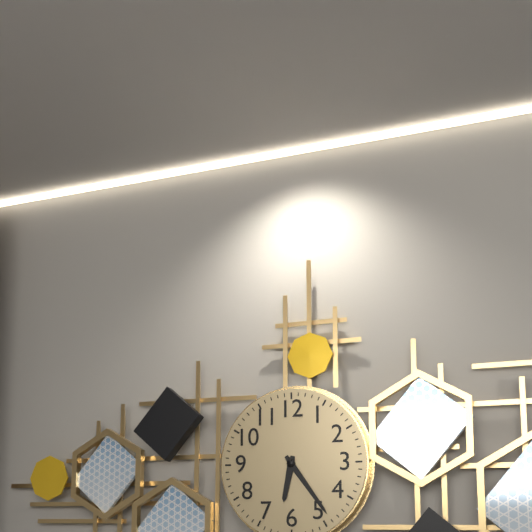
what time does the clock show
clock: 6:24
